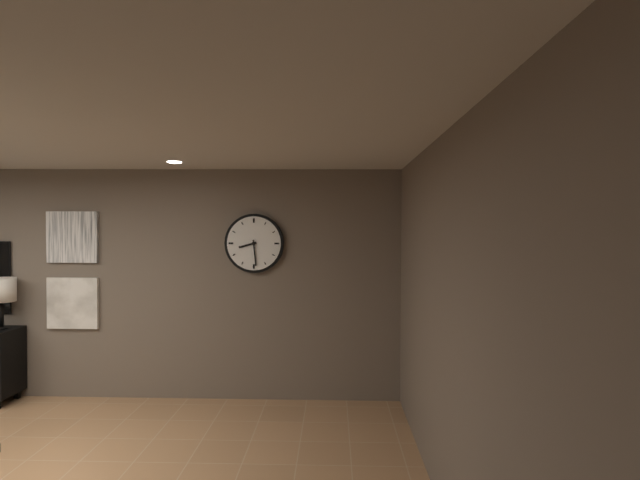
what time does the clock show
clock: 8:29
